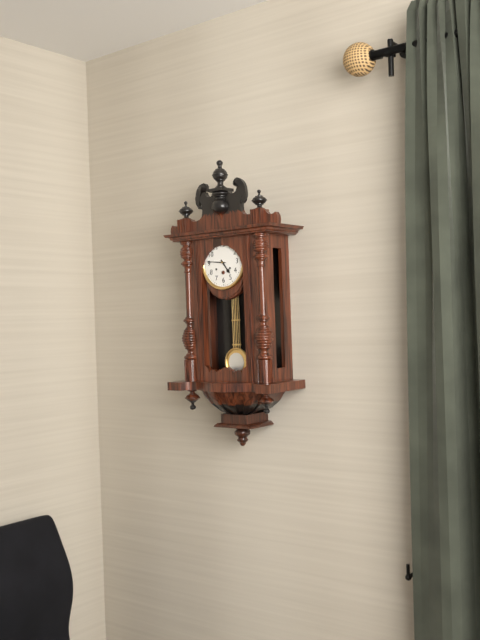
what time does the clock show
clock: 4:46
